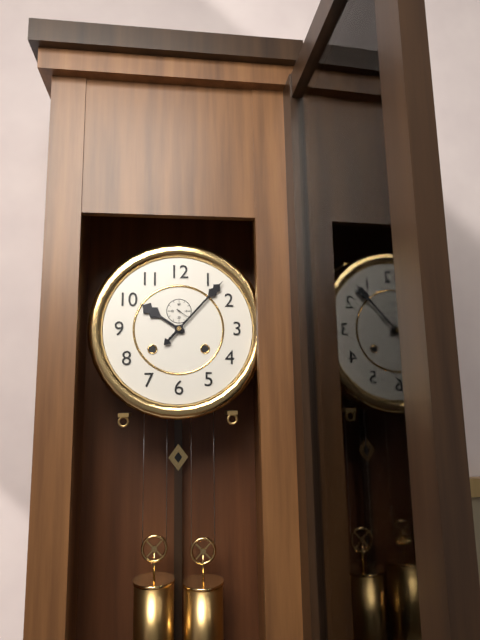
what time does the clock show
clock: 10:07
